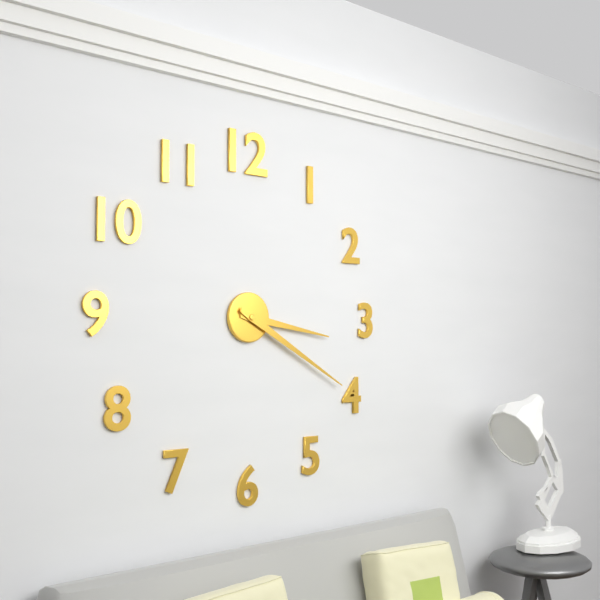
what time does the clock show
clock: 3:20
